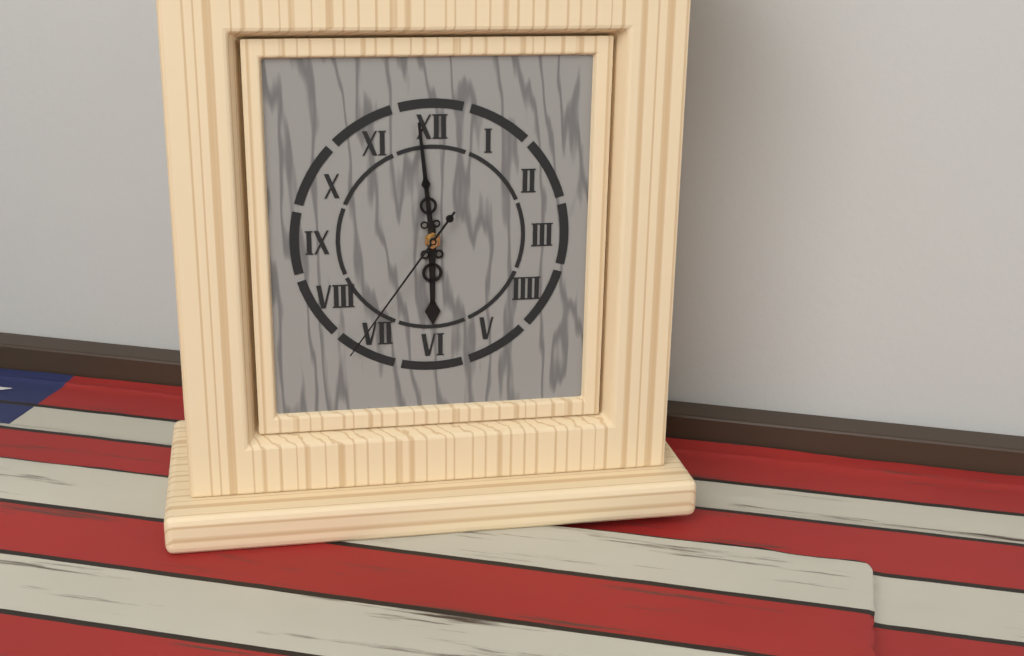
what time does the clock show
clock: 5:59:36
